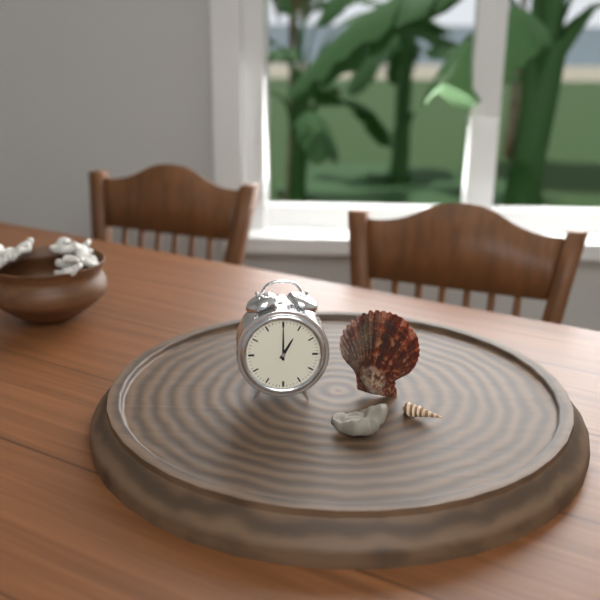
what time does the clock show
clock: 1:00
